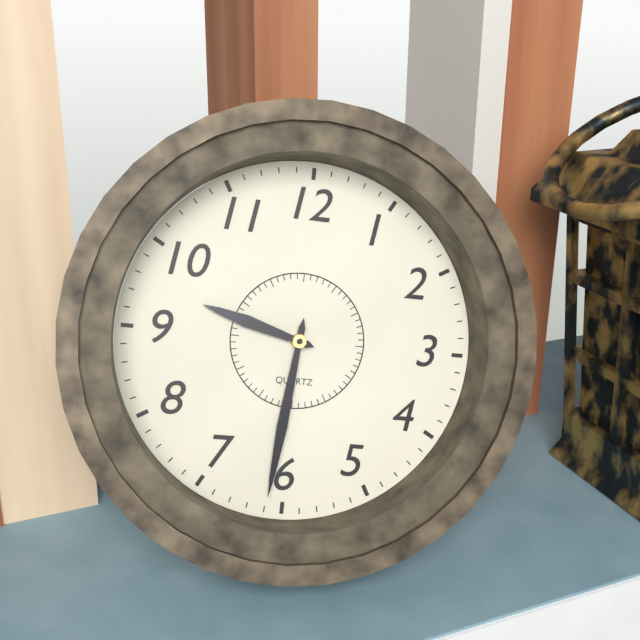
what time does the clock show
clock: 9:31
